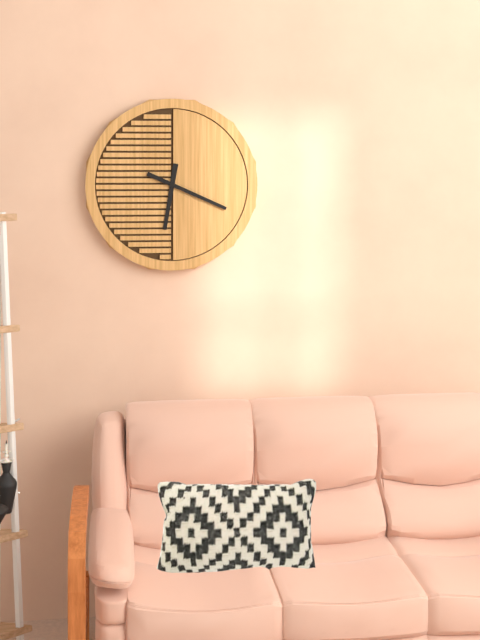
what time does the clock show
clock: 6:19
